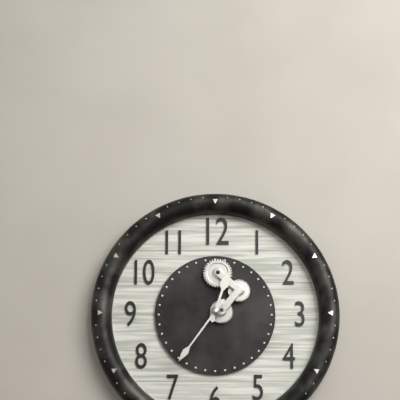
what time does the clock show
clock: 12:36
